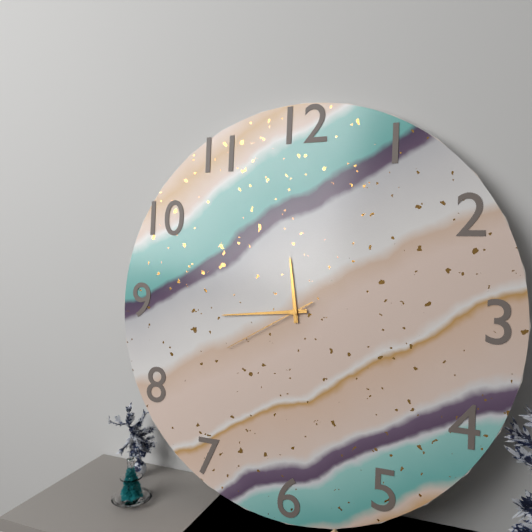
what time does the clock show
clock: 11:44:40
